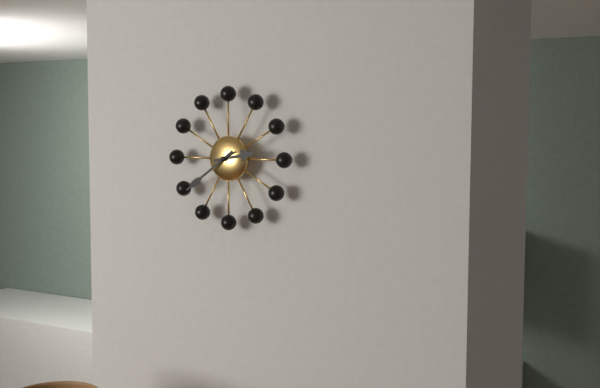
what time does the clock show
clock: 2:39
